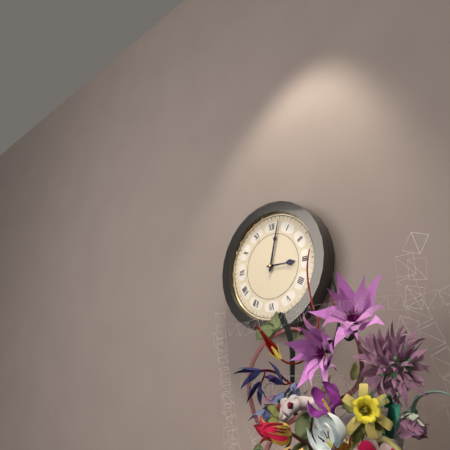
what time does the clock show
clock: 3:02
